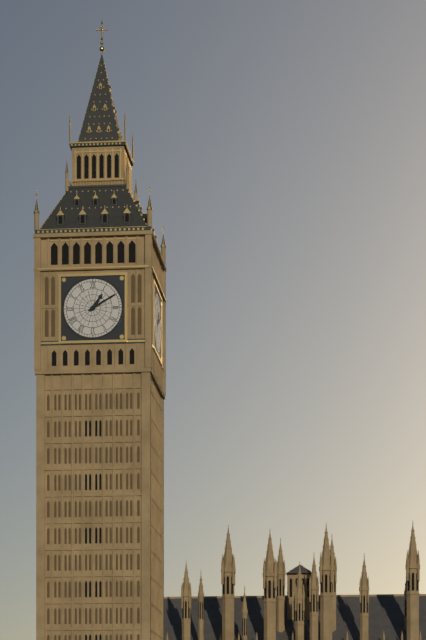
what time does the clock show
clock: 1:10
